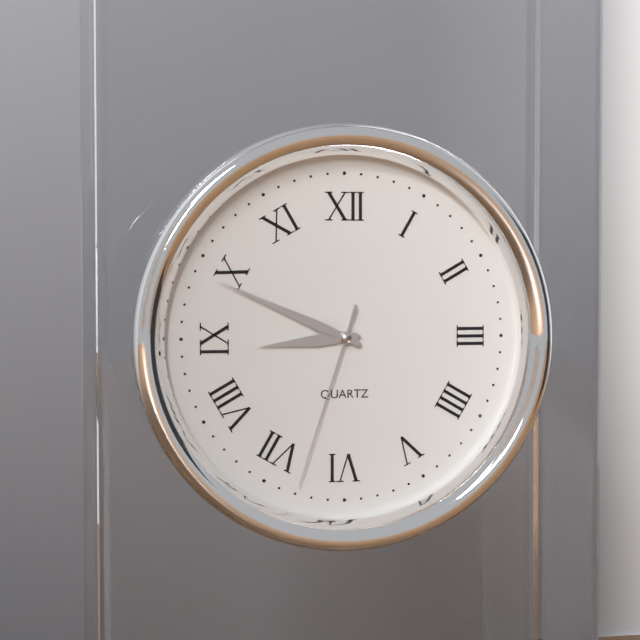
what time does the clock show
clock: 8:49:33
